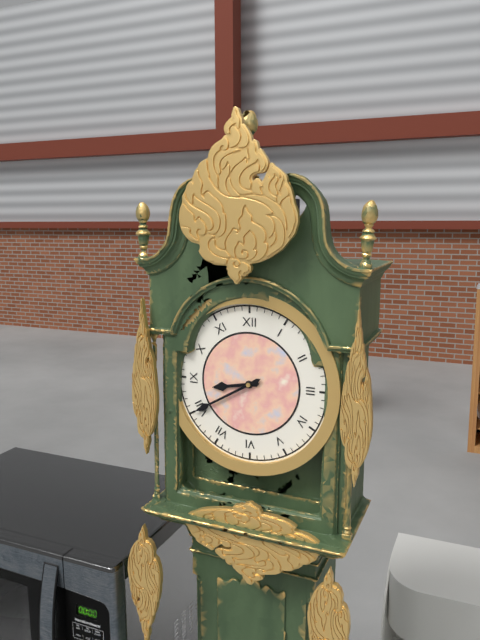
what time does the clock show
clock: 8:40
